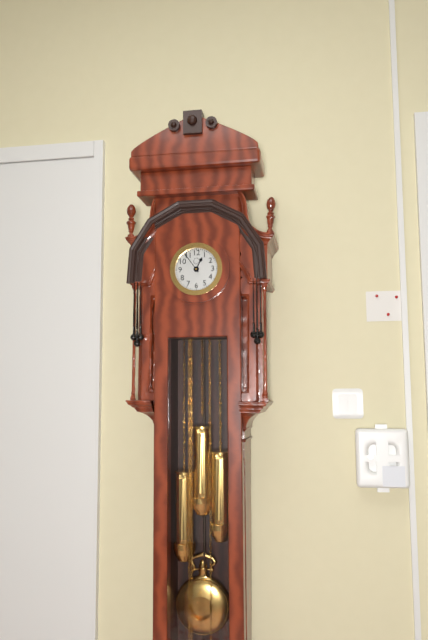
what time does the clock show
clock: 12:54
